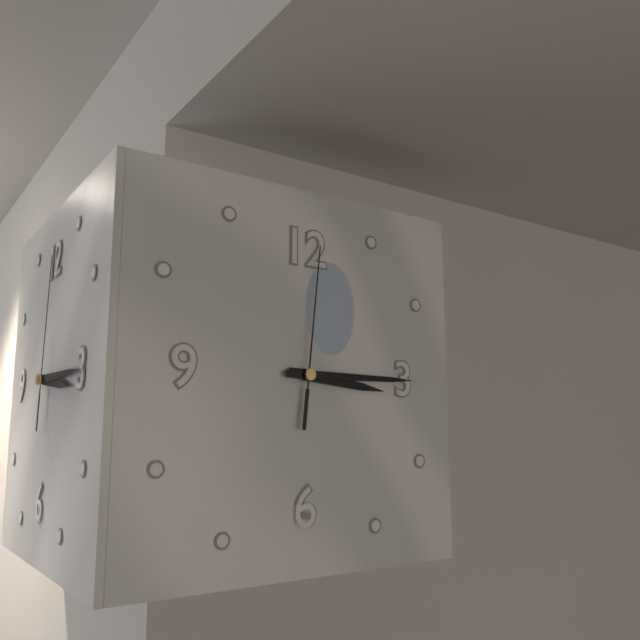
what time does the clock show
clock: 3:15:01
